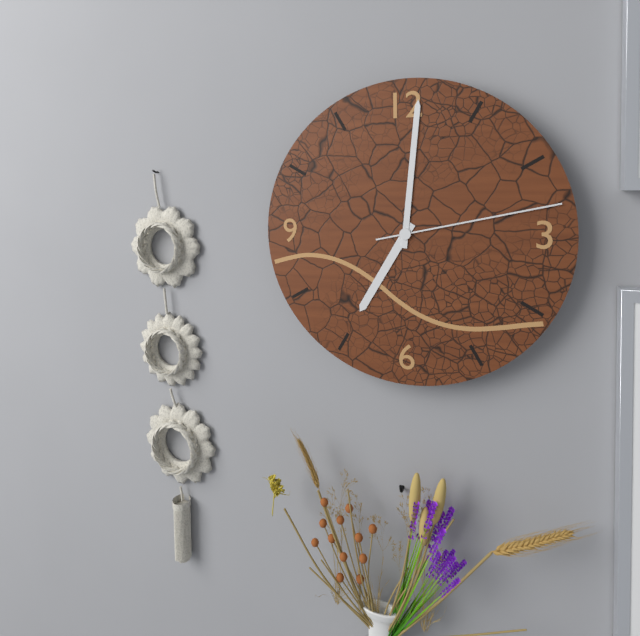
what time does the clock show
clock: 7:01:13
